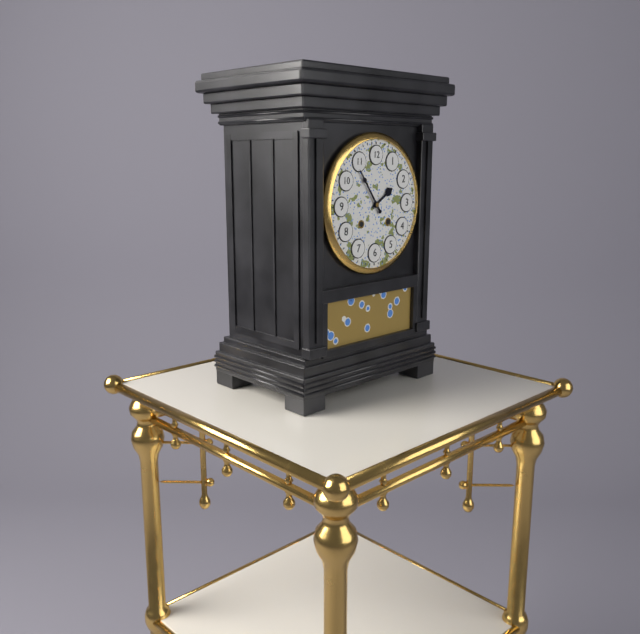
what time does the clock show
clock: 1:54
